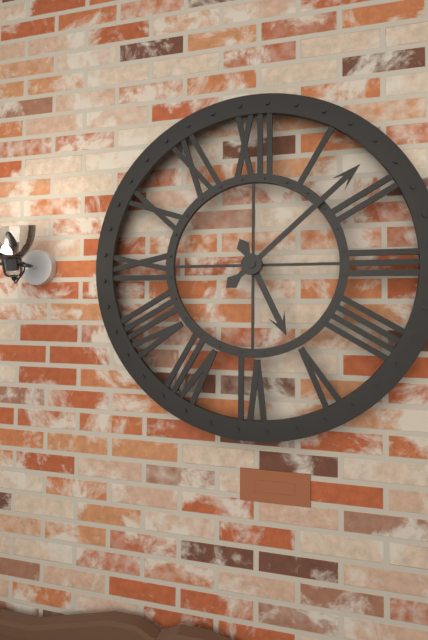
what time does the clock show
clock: 5:08
